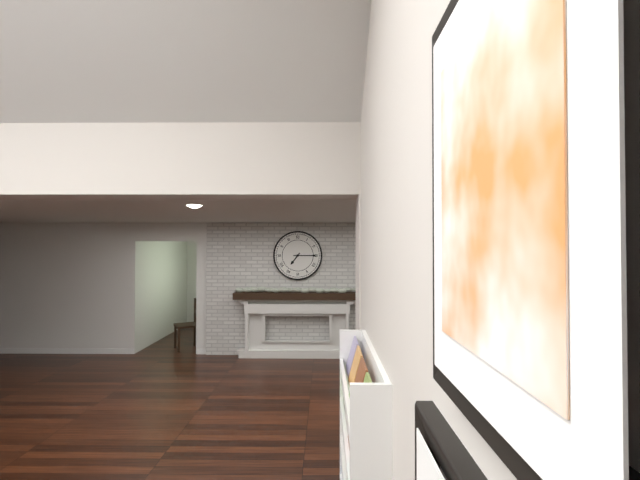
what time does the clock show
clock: 7:15
